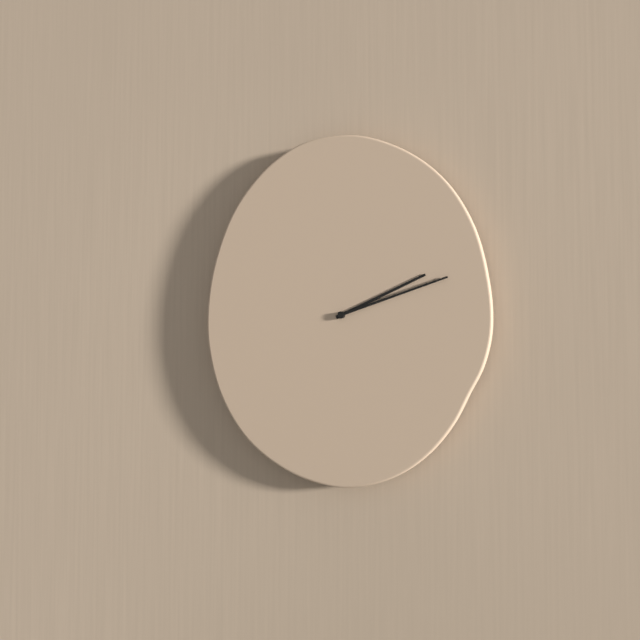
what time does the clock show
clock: 2:12
